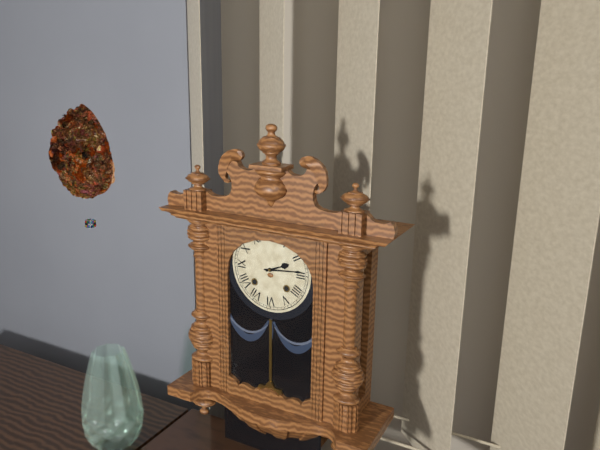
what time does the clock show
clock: 2:14
